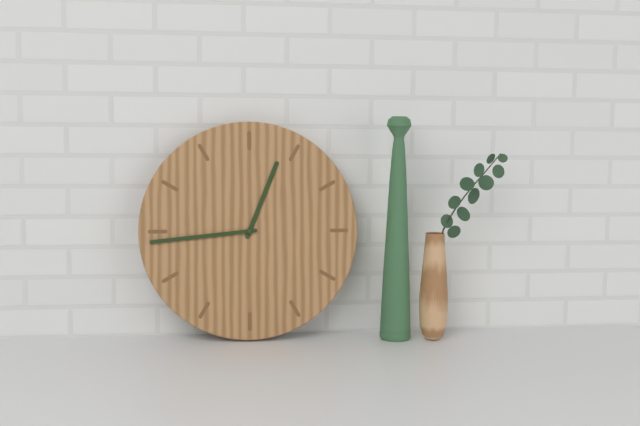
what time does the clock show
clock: 12:44
